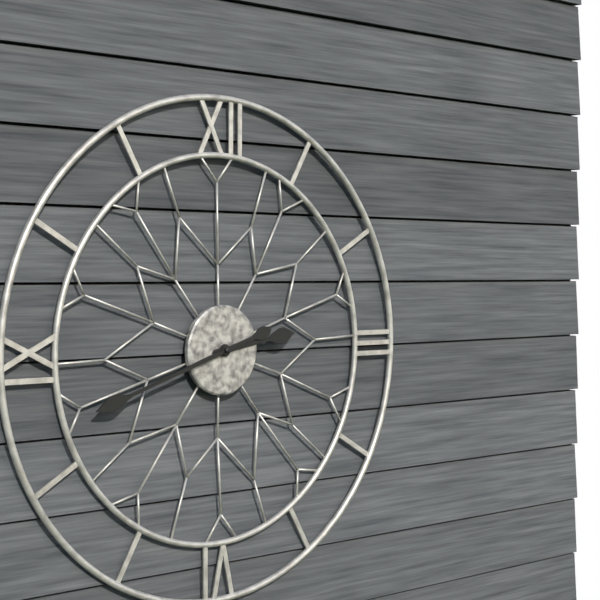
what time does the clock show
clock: 2:42
